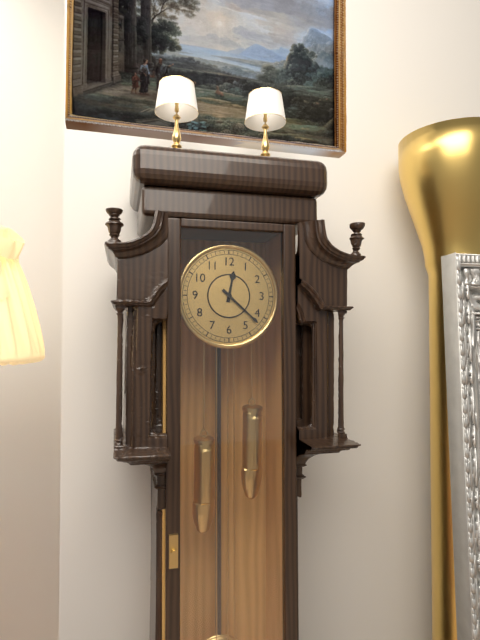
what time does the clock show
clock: 12:22
